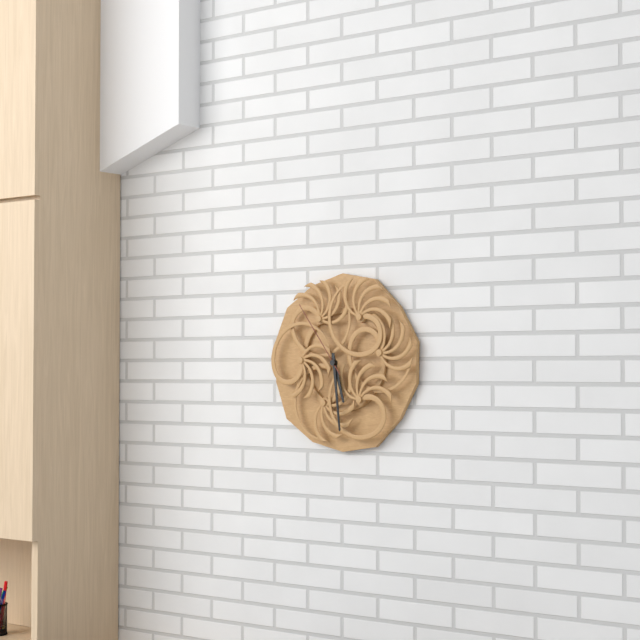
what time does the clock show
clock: 5:29:54
